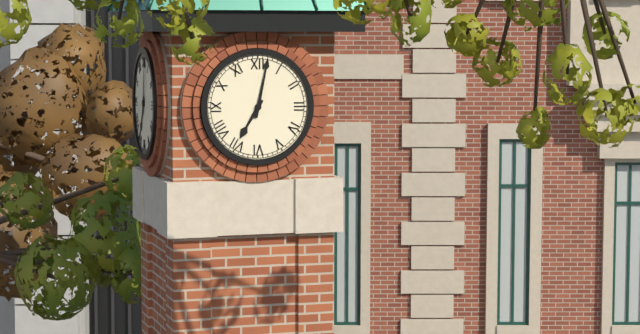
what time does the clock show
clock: 7:02
